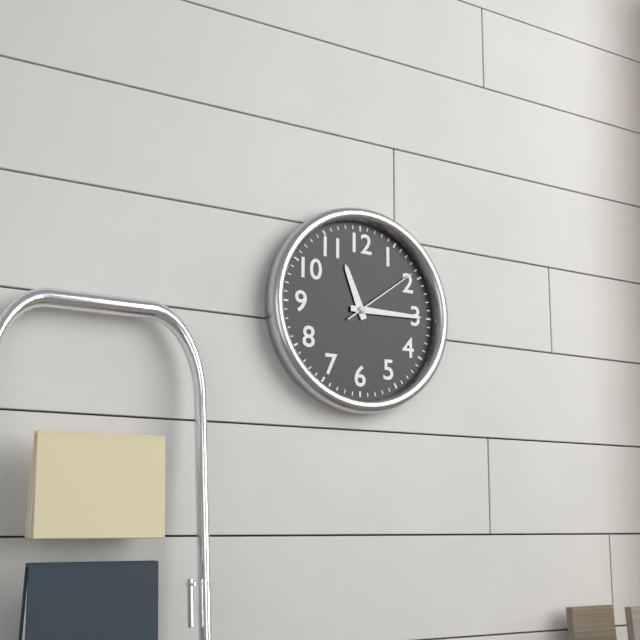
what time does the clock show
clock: 11:15:09
